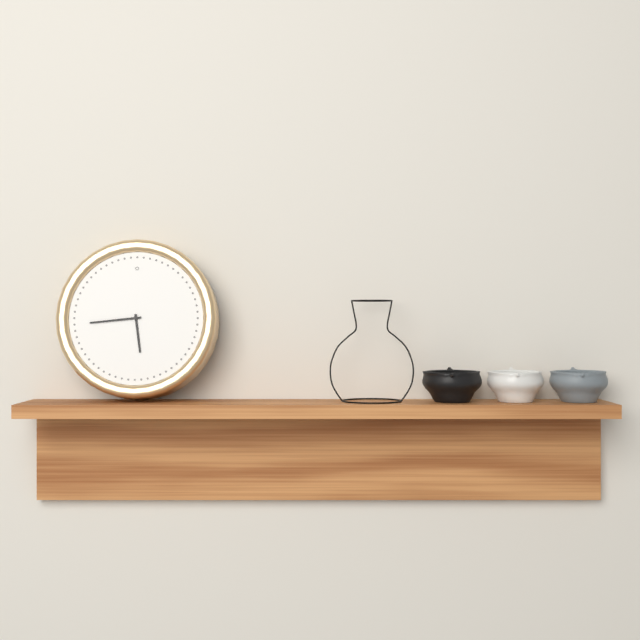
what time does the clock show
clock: 5:44
